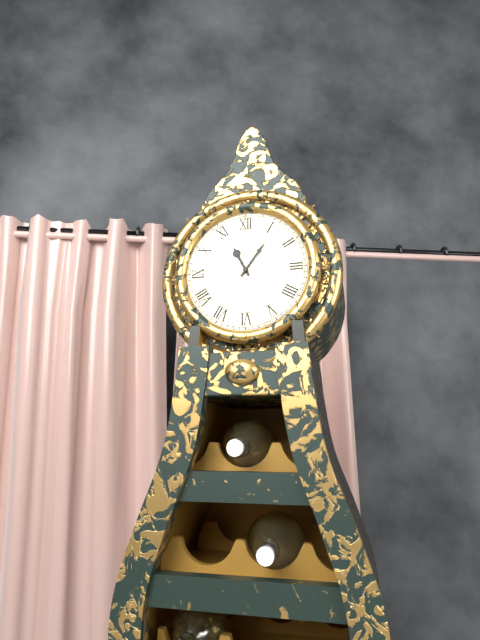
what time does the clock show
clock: 11:06
